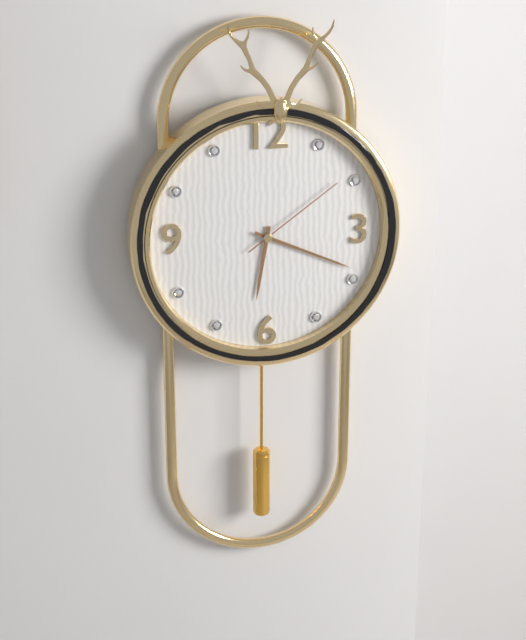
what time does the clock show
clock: 6:19:09
